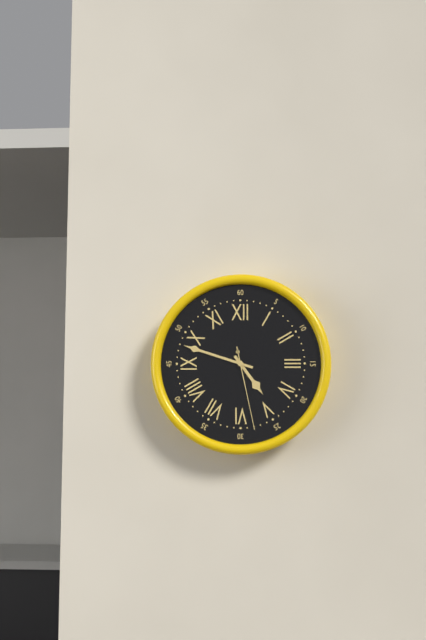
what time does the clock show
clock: 4:48:28
